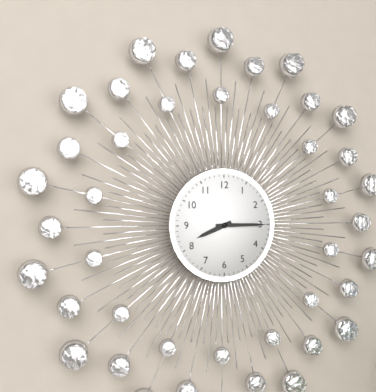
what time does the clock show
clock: 8:15
